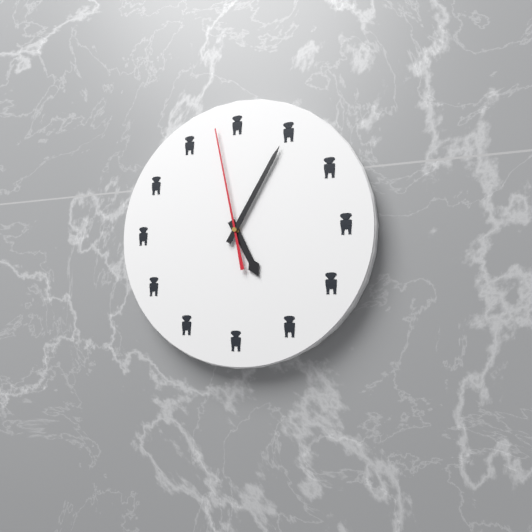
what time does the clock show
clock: 5:05:58
